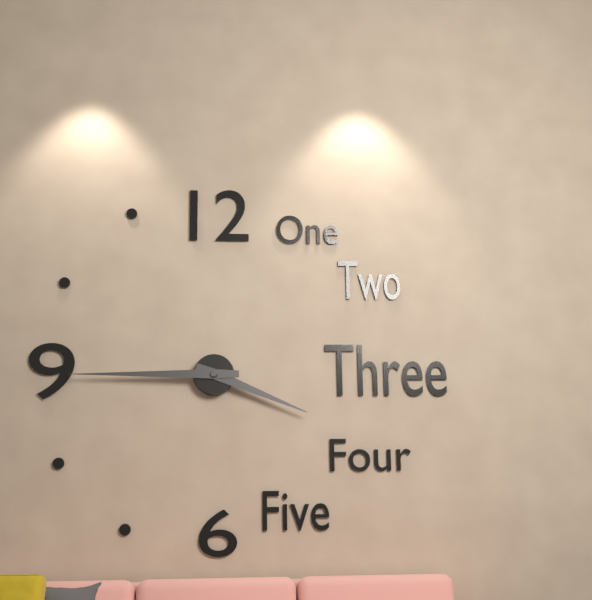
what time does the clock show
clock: 3:45
